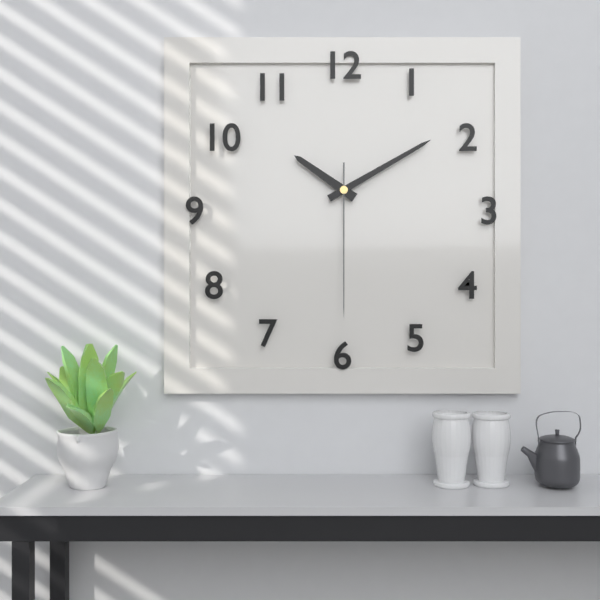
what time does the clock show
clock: 10:10:30
